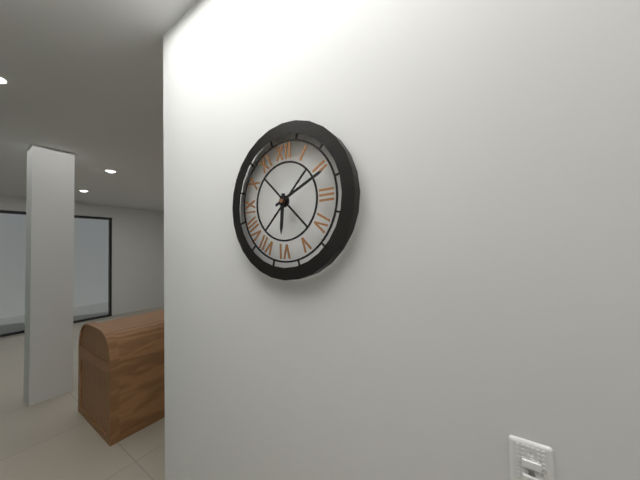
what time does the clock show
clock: 6:11
